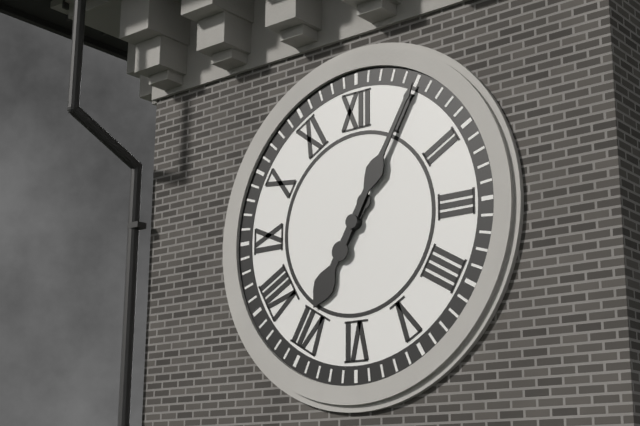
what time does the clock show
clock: 7:05
